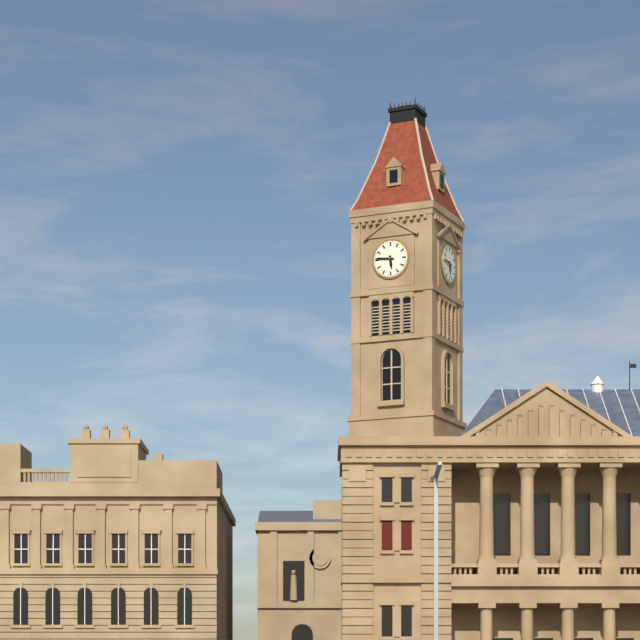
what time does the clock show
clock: 5:46
